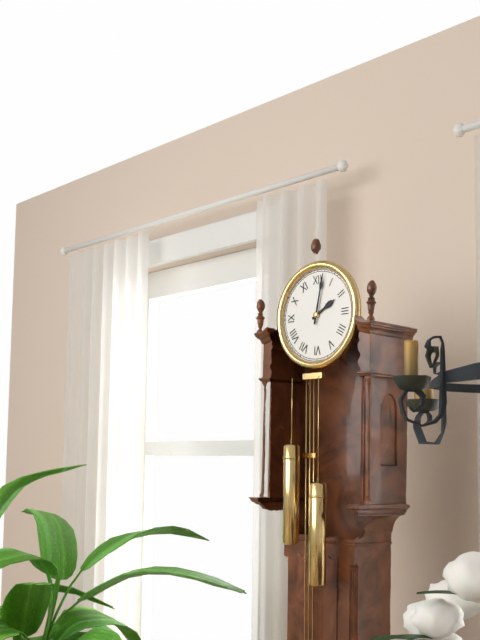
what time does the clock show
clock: 2:02
